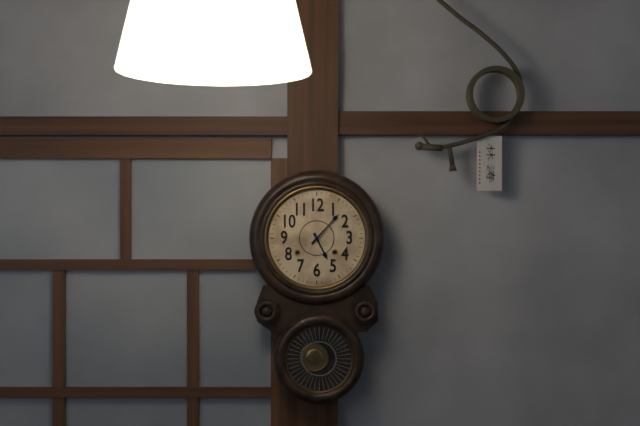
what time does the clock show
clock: 5:07
